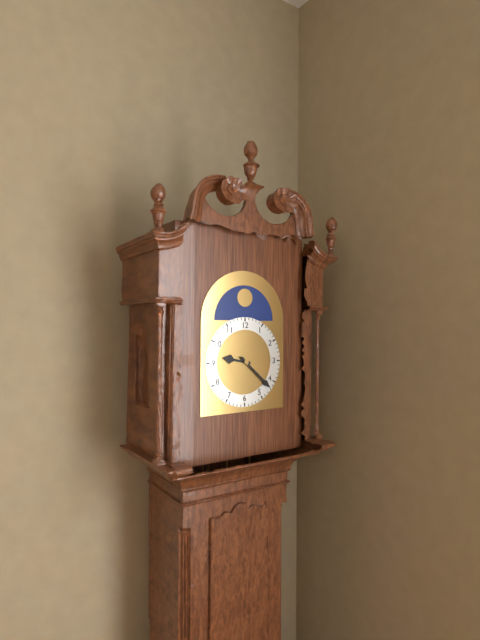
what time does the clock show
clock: 9:22
